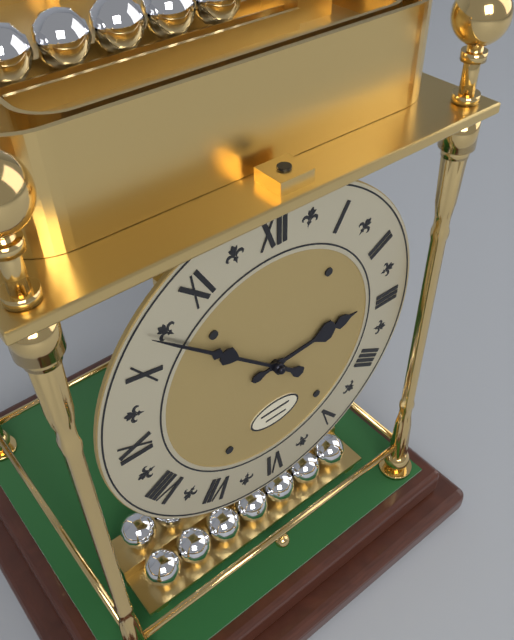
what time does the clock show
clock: 2:52
